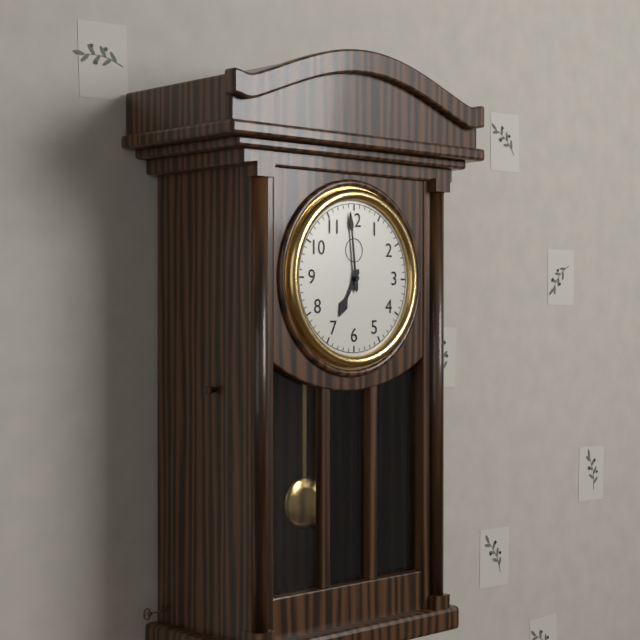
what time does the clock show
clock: 6:59
